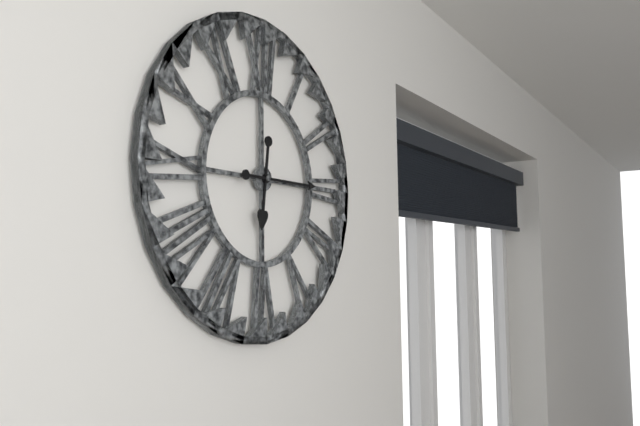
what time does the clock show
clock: 6:15
